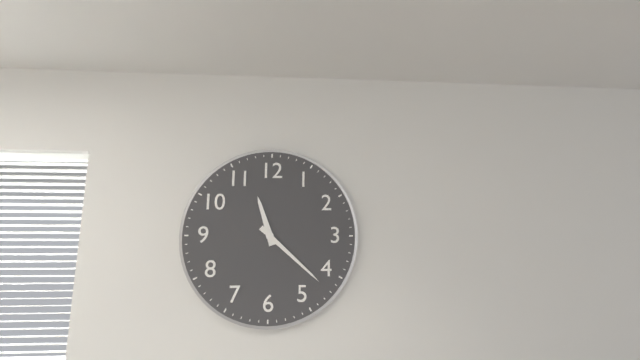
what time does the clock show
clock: 11:22
